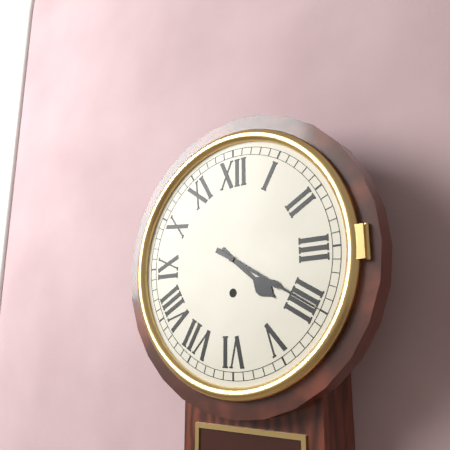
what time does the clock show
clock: 4:20
